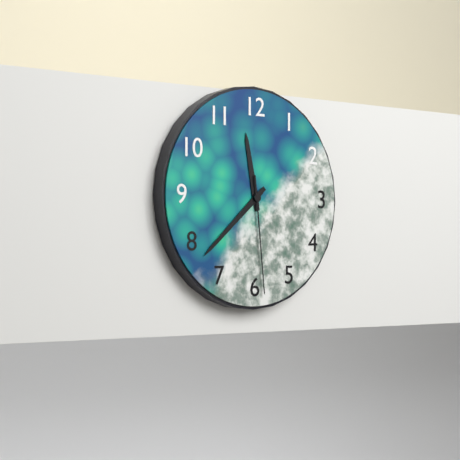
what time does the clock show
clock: 11:38:29
